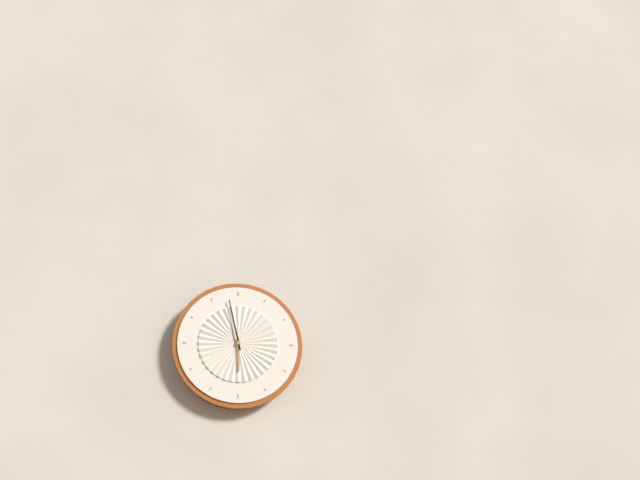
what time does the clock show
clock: 5:58
